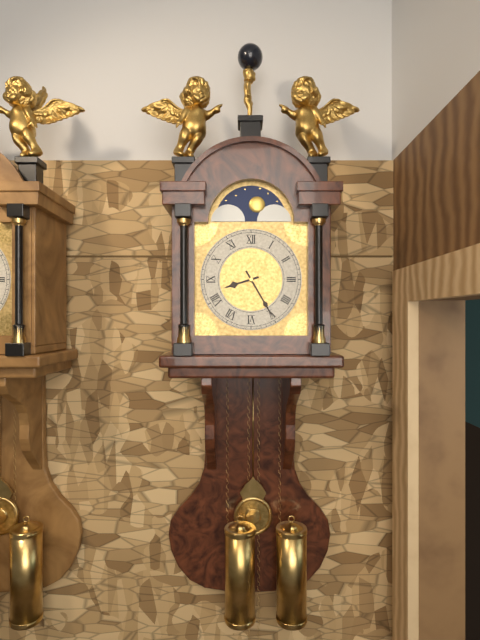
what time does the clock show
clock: 8:25
